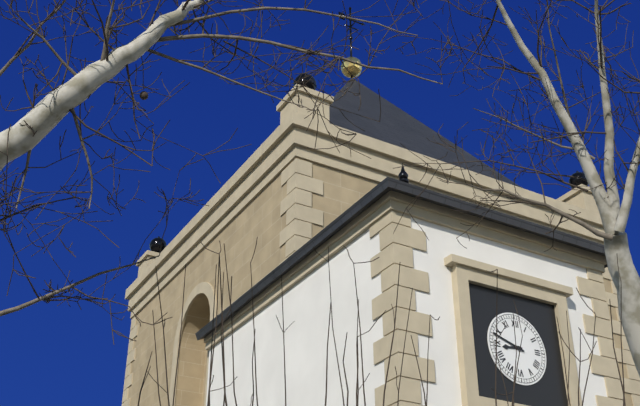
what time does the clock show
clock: 8:48
